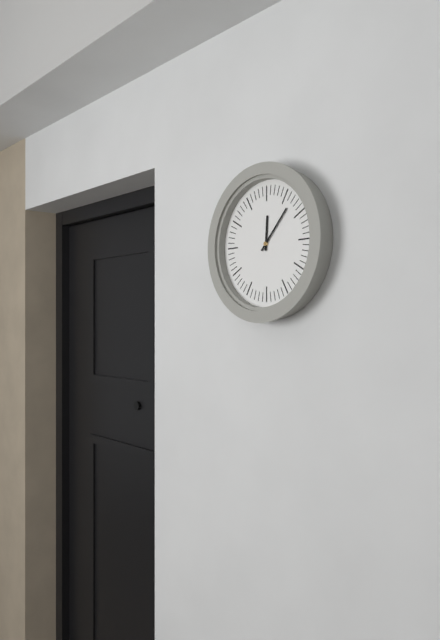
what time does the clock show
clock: 12:07
